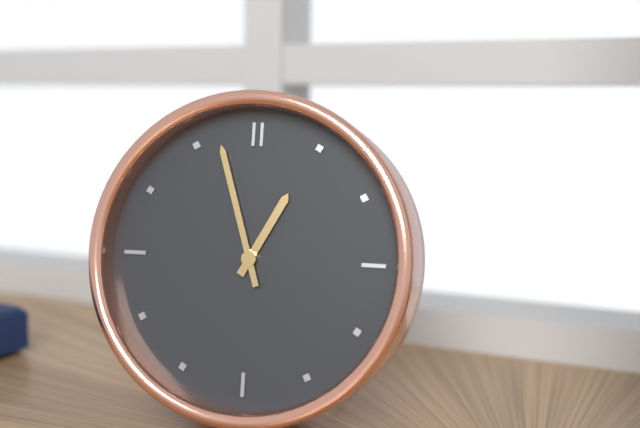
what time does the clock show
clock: 12:57
